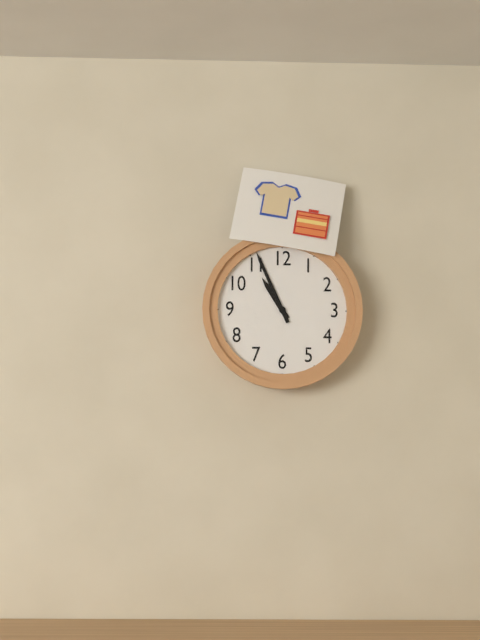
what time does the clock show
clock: 10:56
